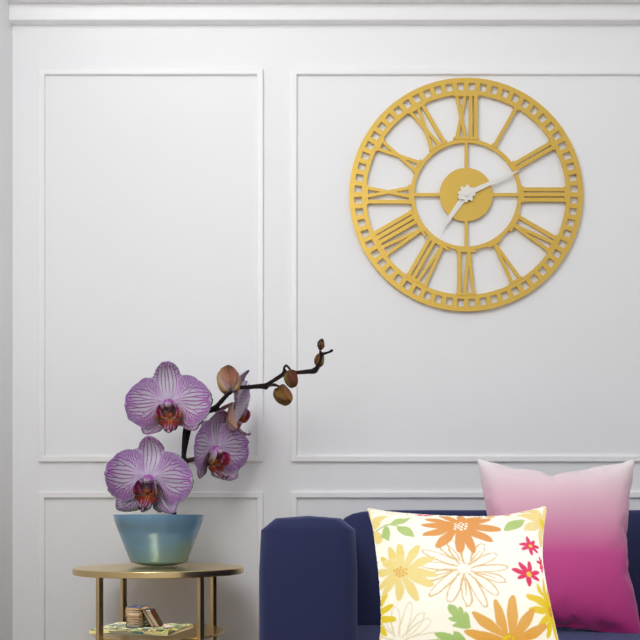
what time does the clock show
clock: 7:11
